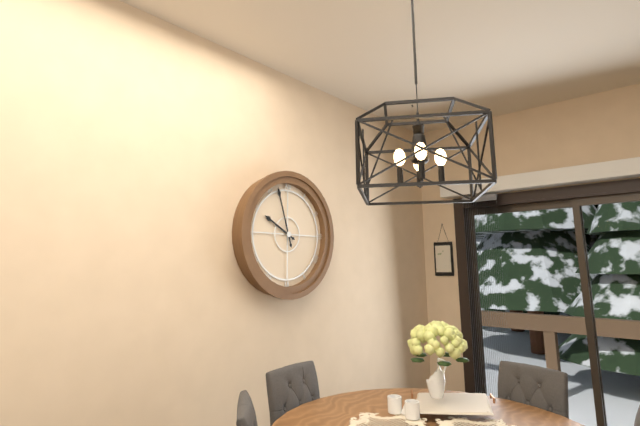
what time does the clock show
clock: 9:57
